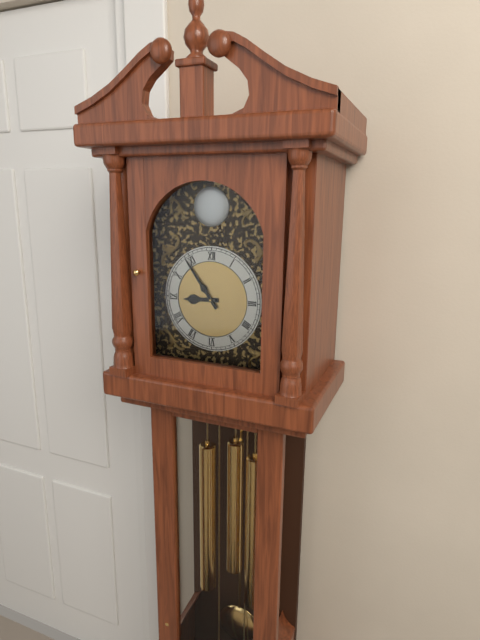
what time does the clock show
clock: 8:54
